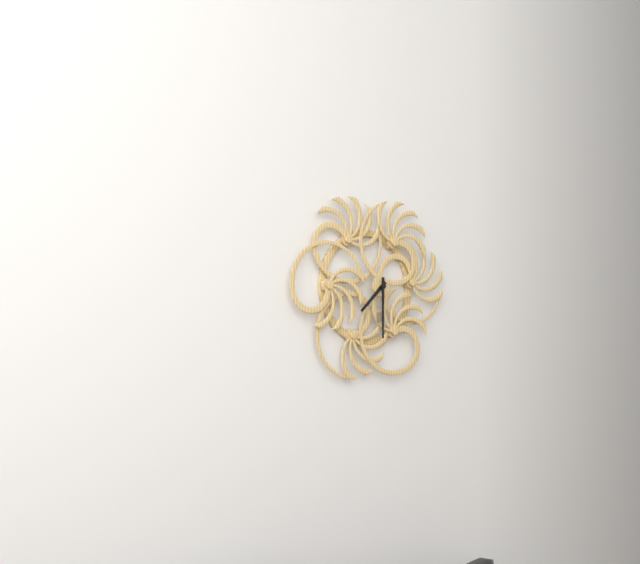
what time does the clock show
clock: 7:30
